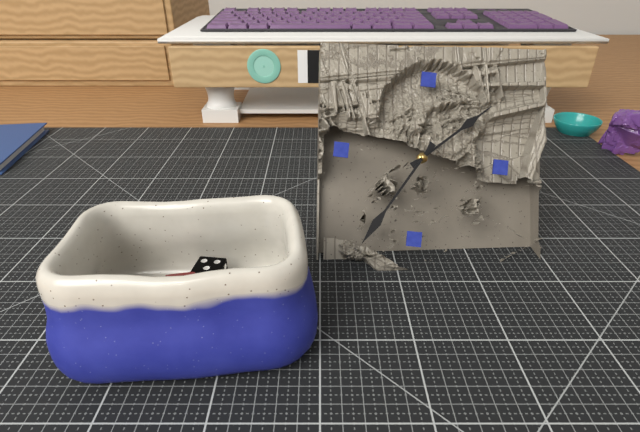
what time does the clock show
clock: 1:35
